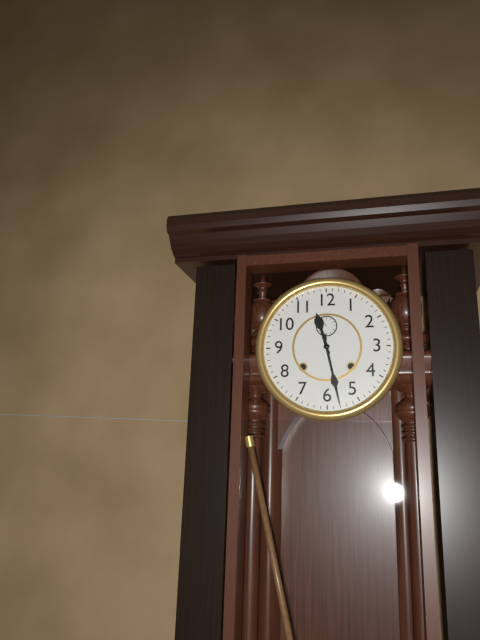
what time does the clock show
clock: 11:28
